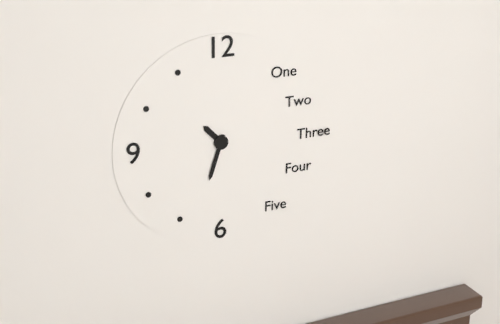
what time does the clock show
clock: 10:33
